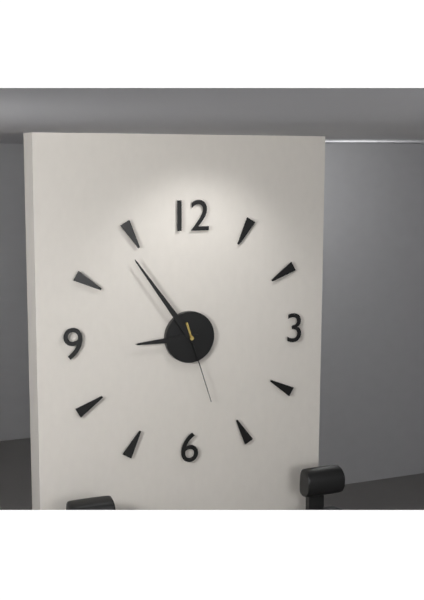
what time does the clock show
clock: 8:54:27
